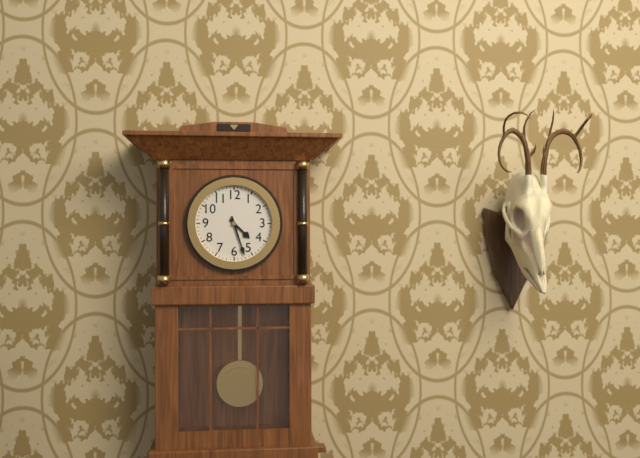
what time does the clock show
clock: 4:27
